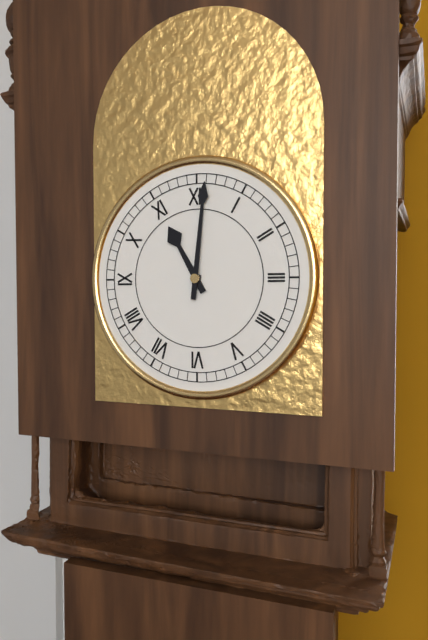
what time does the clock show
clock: 11:01
